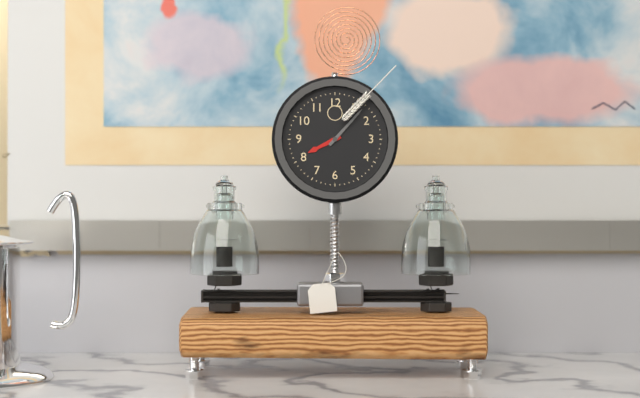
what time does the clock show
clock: 8:07
